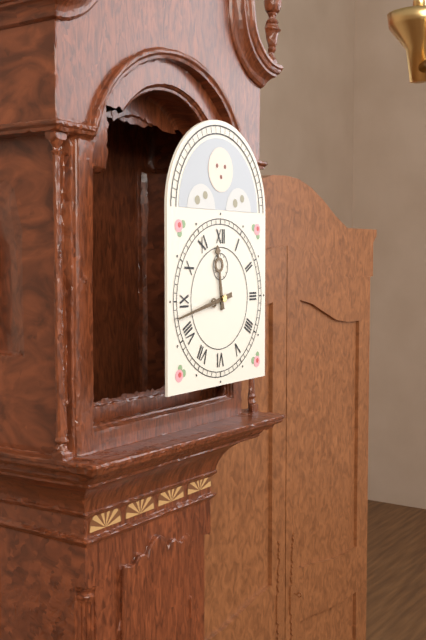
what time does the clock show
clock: 11:43
